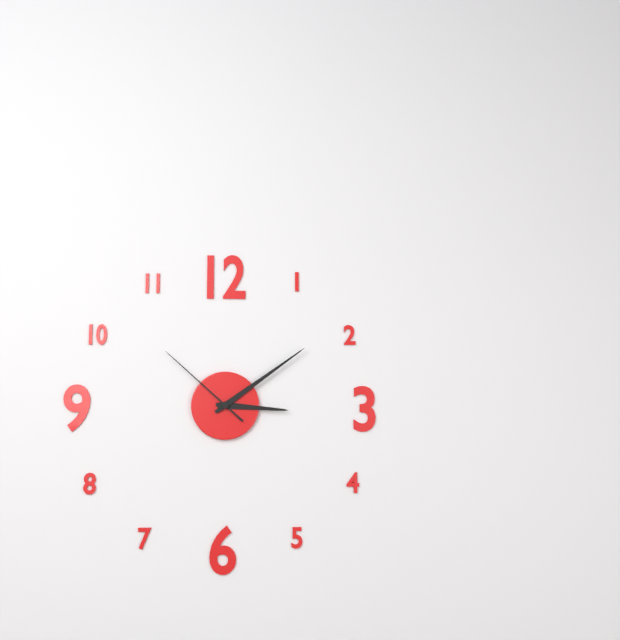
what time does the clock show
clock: 3:09:52
